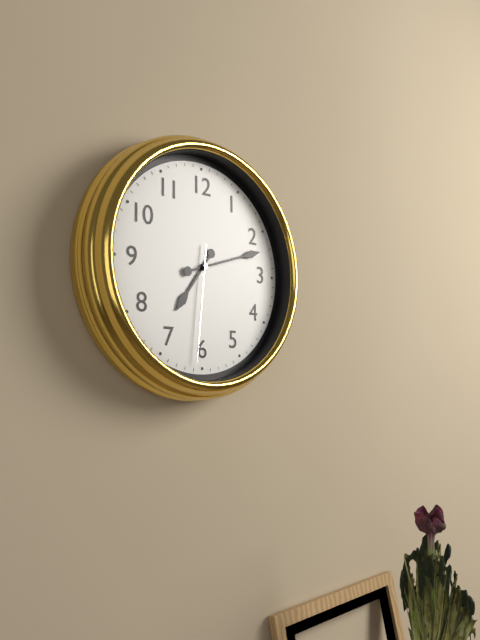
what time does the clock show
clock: 7:12:31
